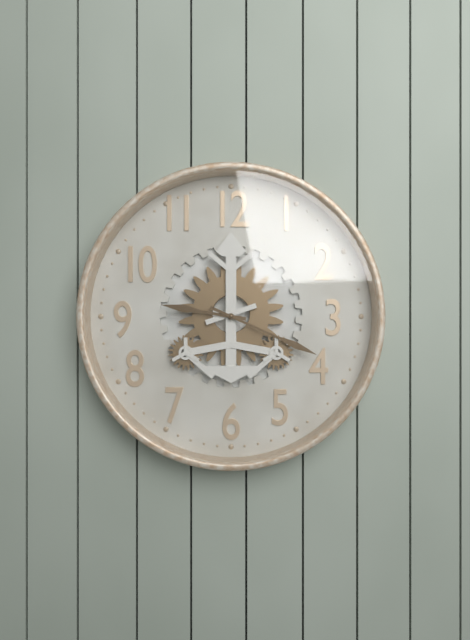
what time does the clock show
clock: 9:19
